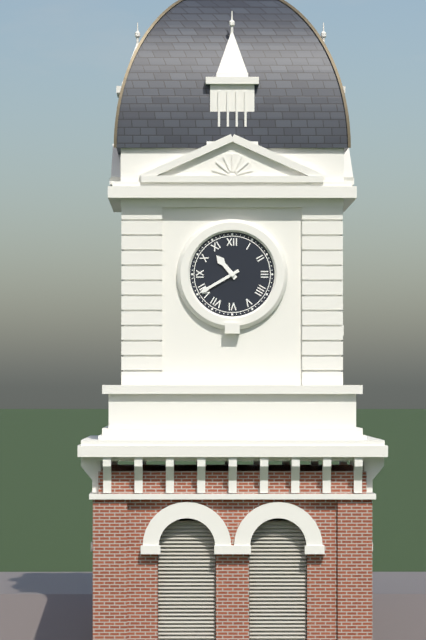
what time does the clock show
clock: 10:40
